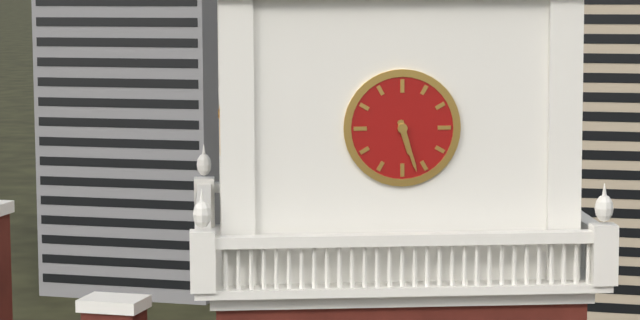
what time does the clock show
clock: 5:27
